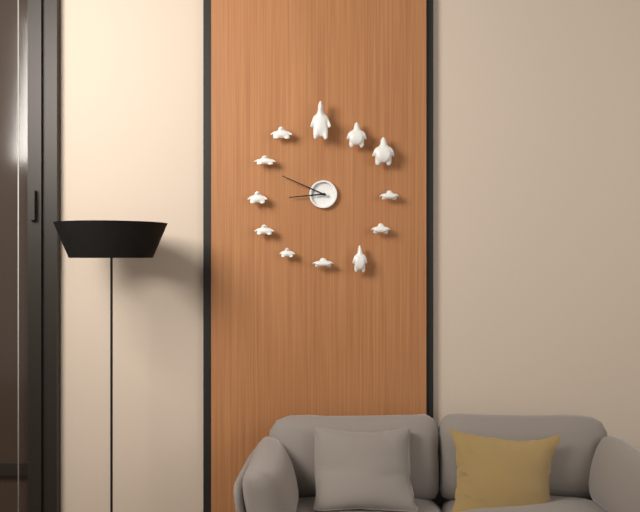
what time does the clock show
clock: 8:49
